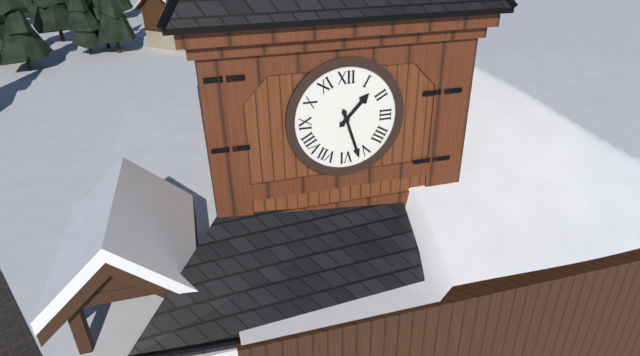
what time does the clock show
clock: 1:27
